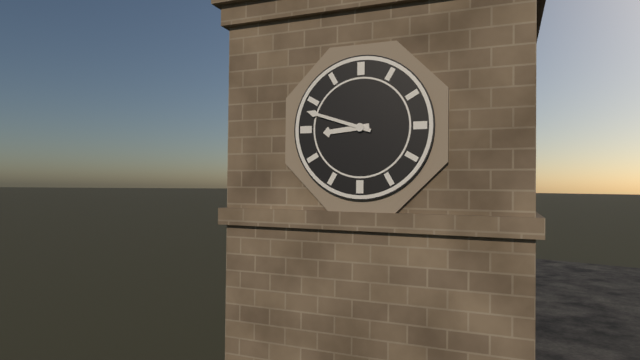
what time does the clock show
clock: 8:48
